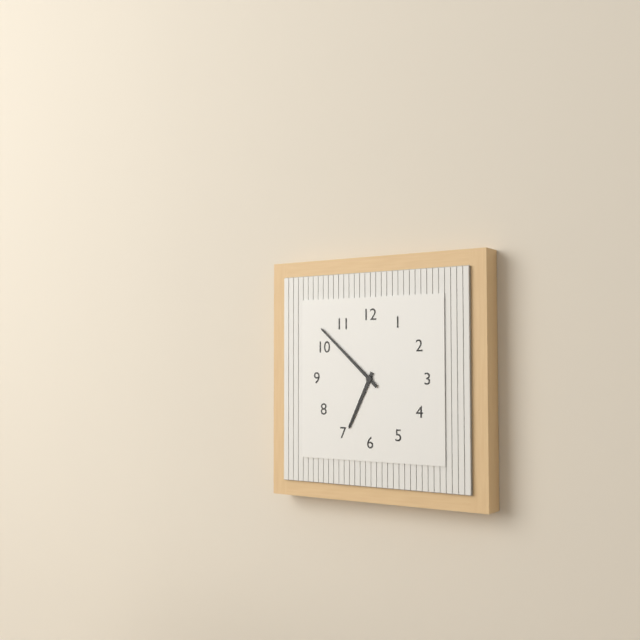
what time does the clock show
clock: 6:52
